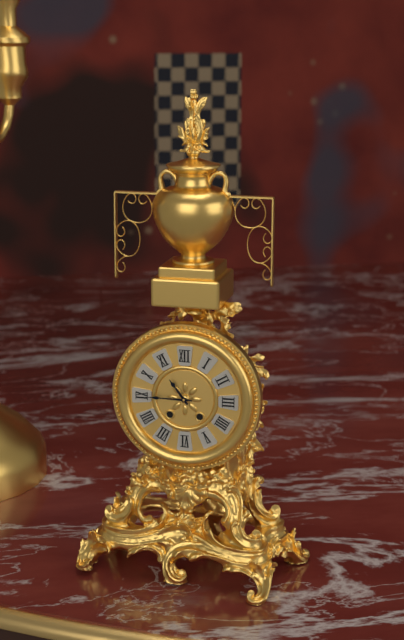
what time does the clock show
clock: 10:45
